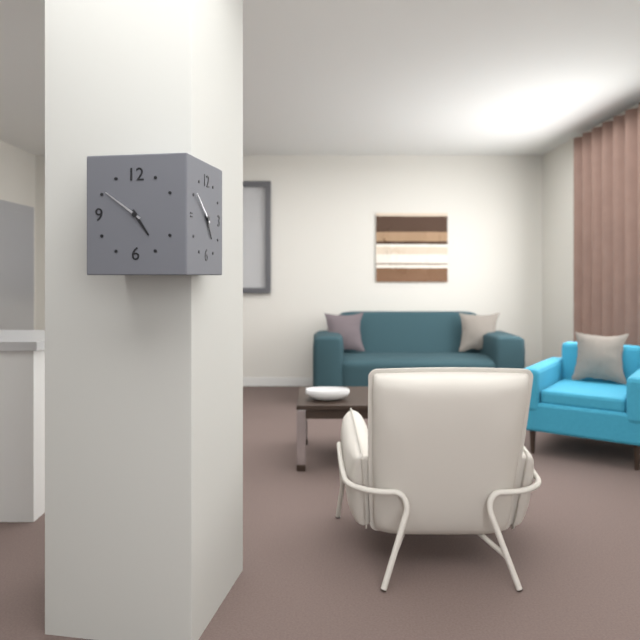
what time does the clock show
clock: 4:51
